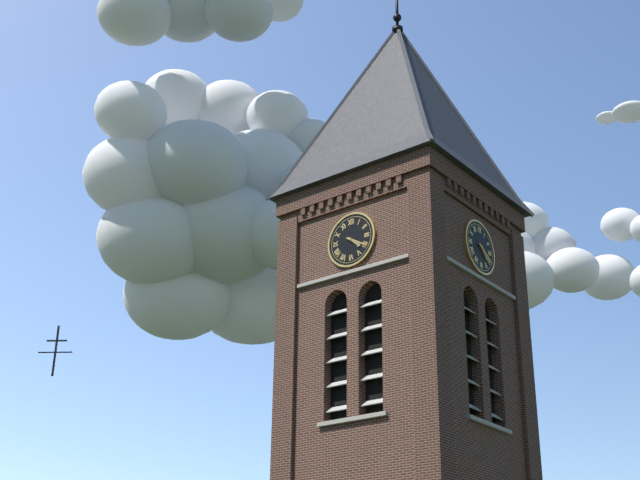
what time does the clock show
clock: 4:20
